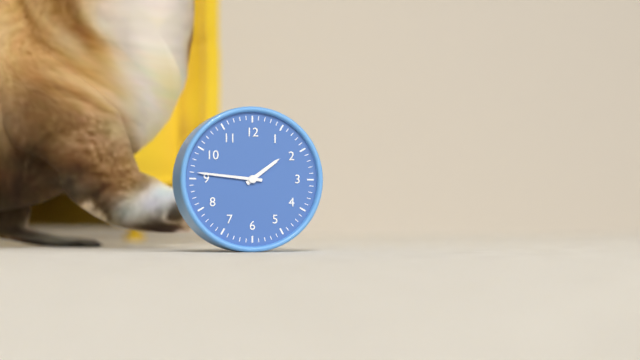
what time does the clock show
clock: 1:46
